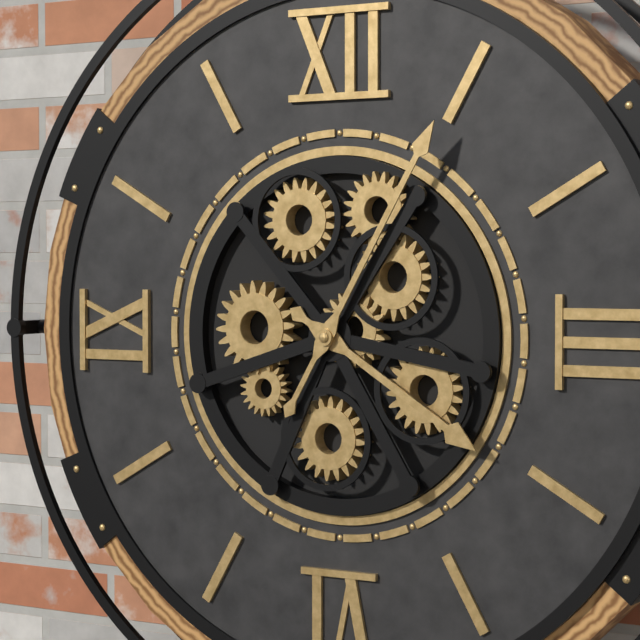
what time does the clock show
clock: 4:05
